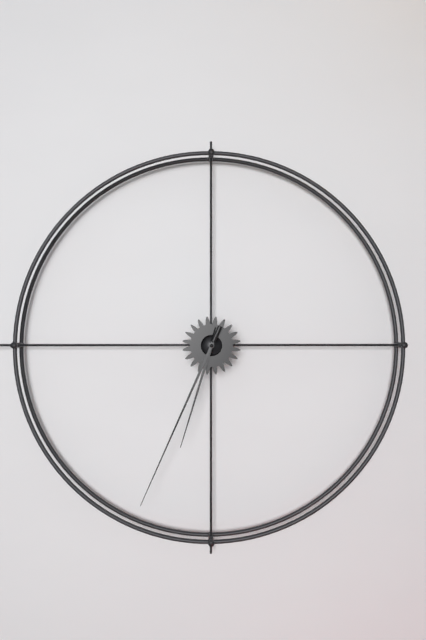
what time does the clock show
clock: 6:34
